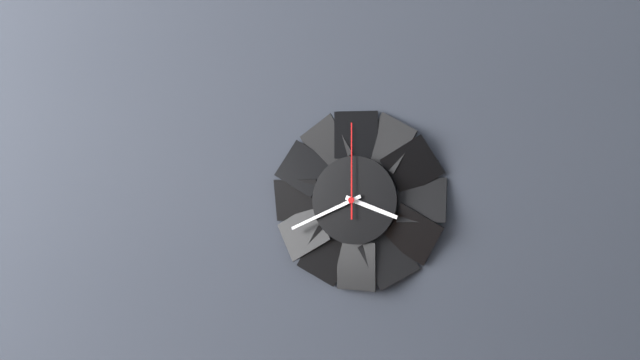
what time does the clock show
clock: 3:41:00
